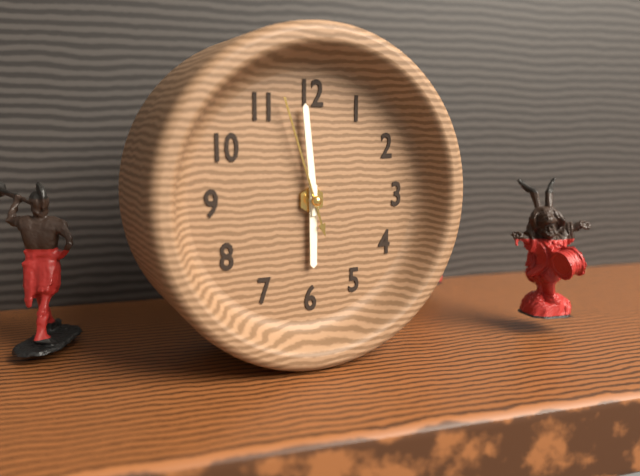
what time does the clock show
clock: 5:59:57
